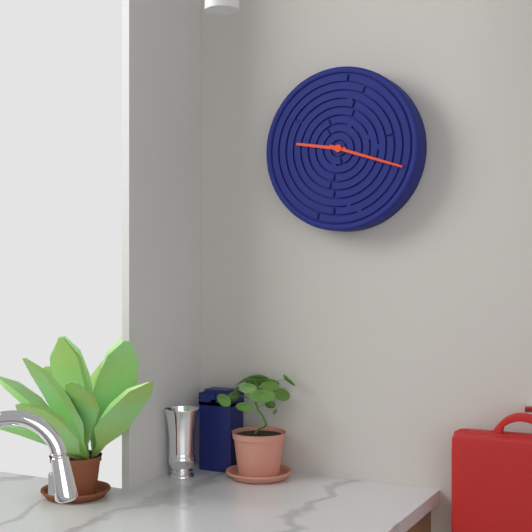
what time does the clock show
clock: 9:18
